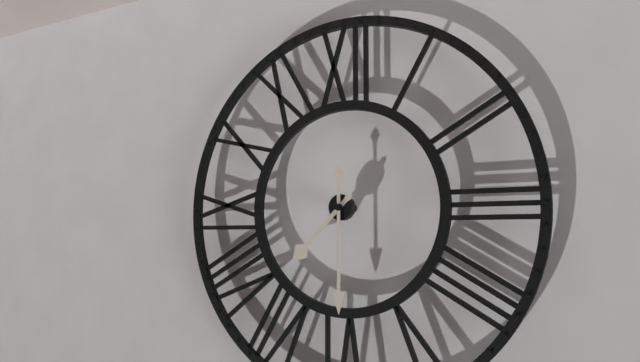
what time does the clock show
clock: 7:30
